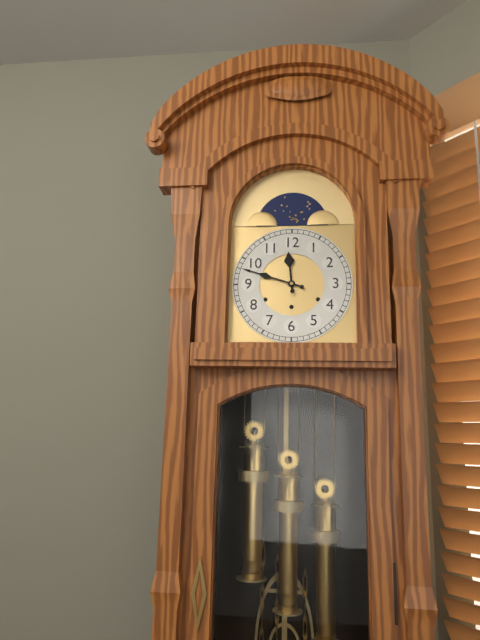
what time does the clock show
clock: 11:48
